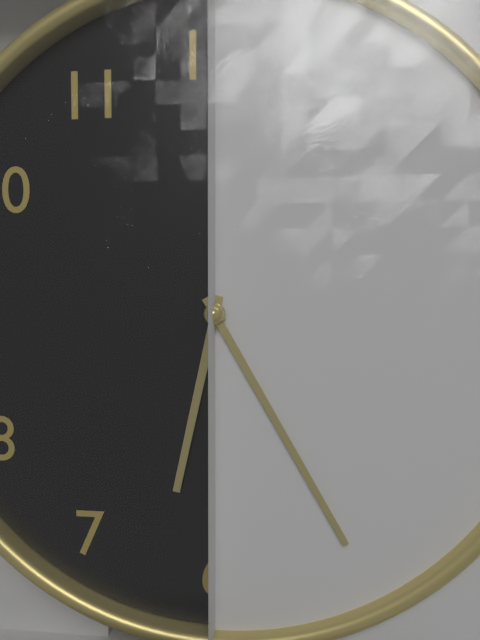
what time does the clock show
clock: 6:25
